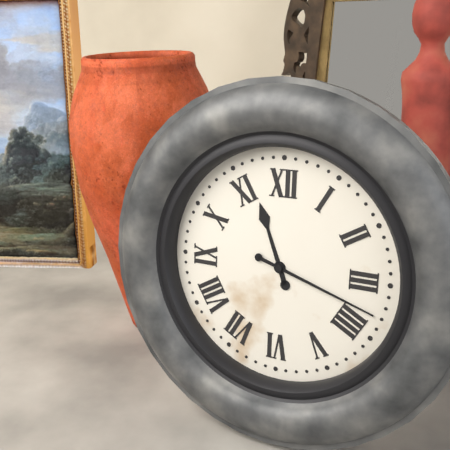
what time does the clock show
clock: 11:18
